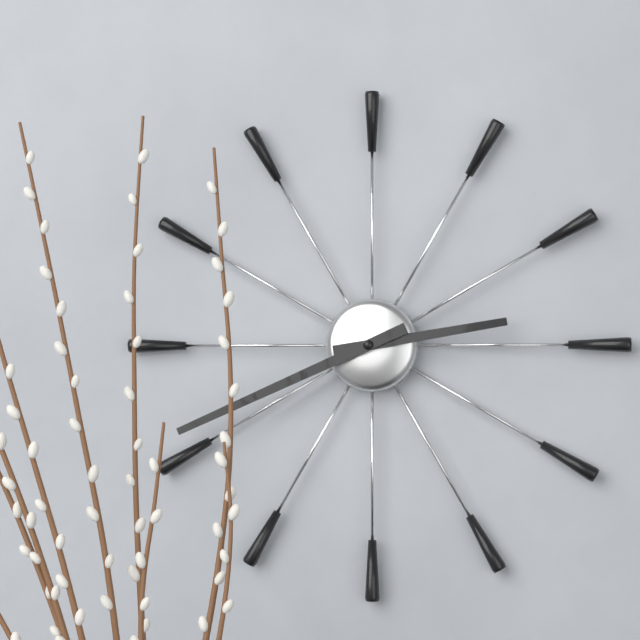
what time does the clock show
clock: 2:41
